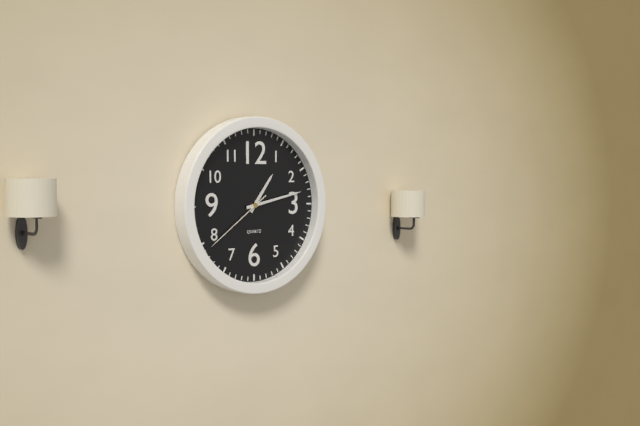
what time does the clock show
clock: 1:13:39
